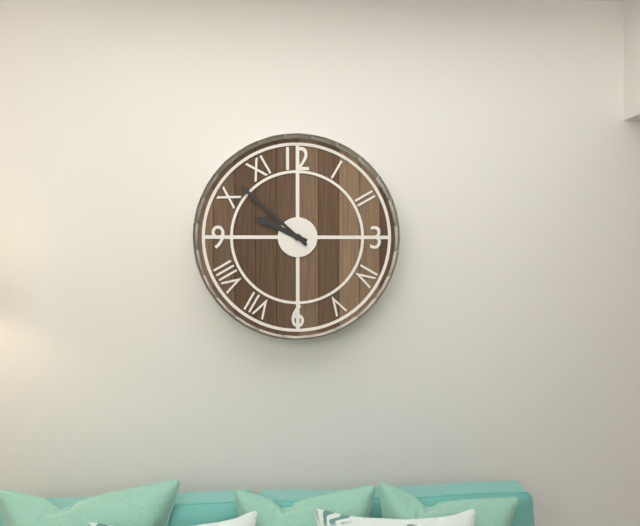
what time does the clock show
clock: 9:52
